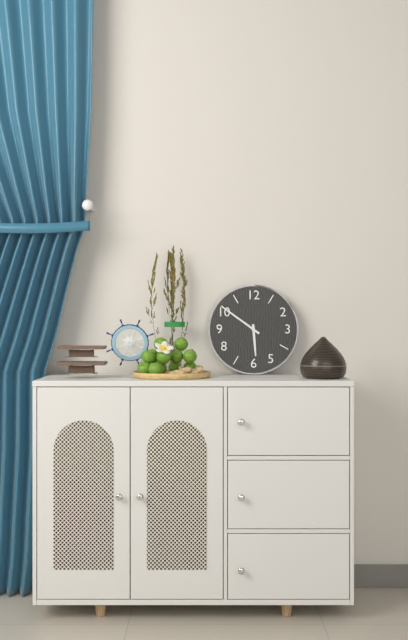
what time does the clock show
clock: 5:51
